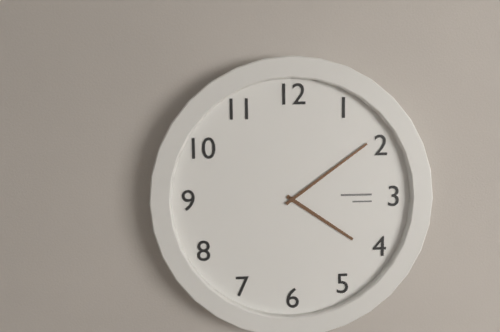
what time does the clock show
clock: 4:09
